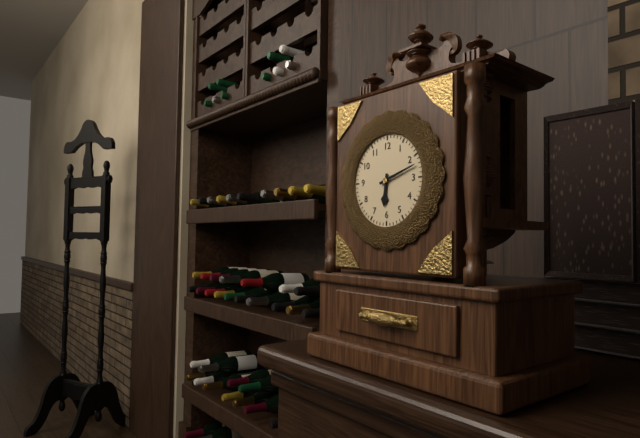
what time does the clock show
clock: 6:12
